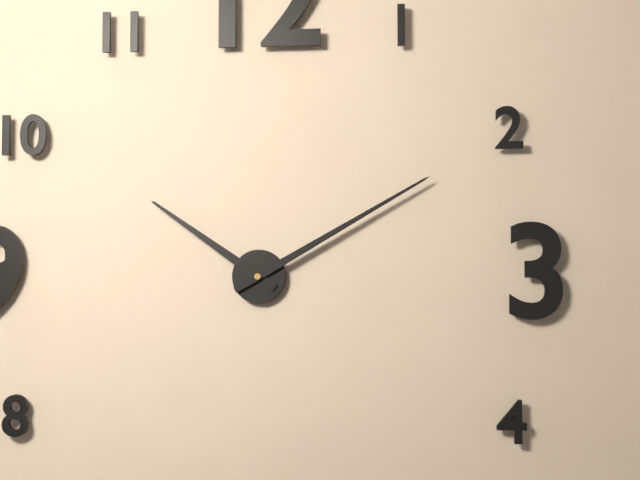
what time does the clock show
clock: 10:10
